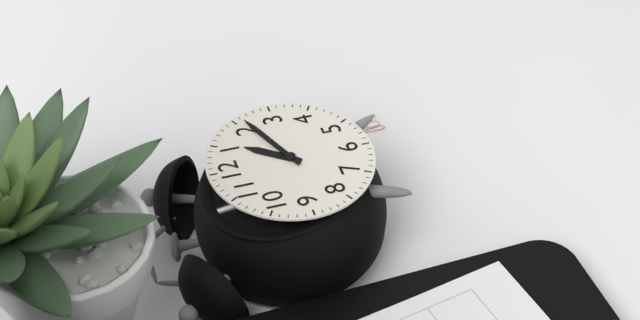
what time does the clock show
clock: 1:11
